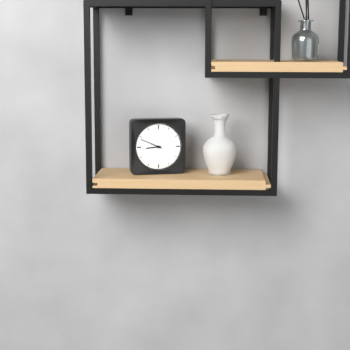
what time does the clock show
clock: 8:49
